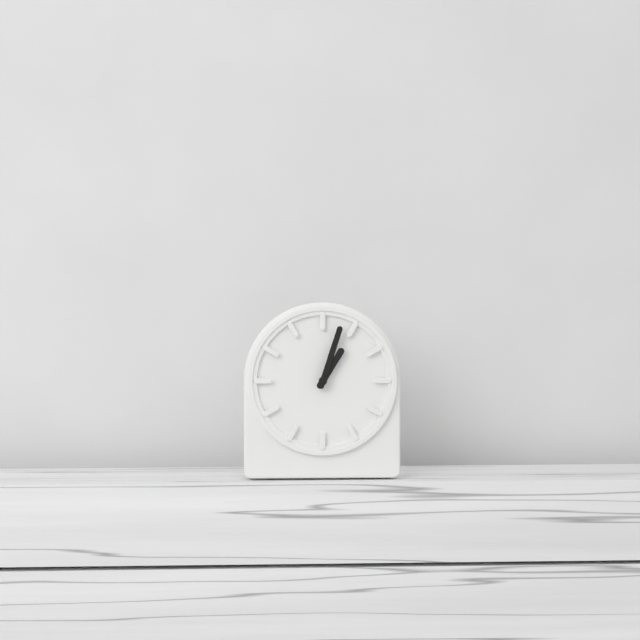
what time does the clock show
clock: 1:03
